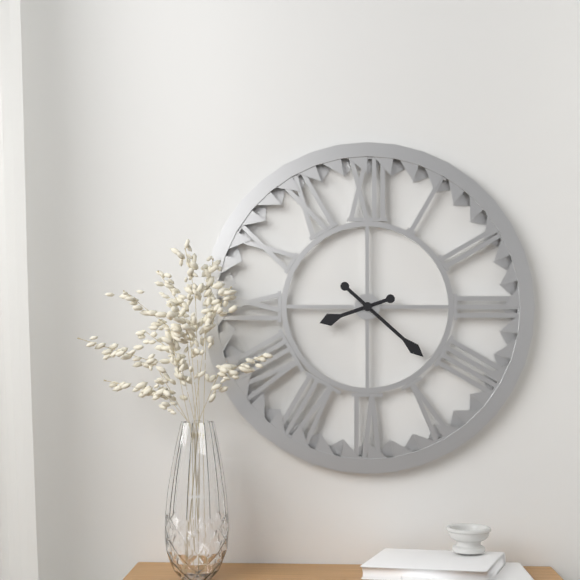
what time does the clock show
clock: 8:22
